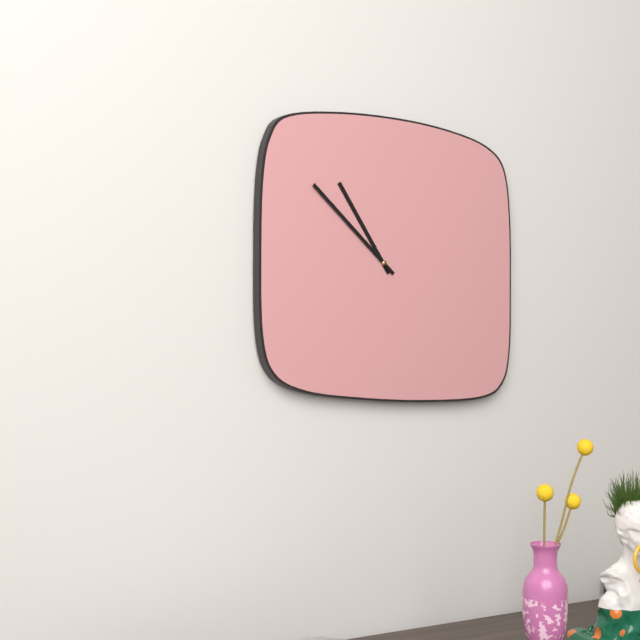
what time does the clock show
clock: 10:52
